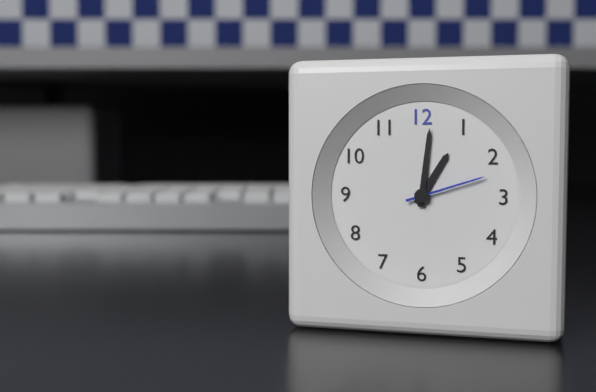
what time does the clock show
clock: 1:01:12
